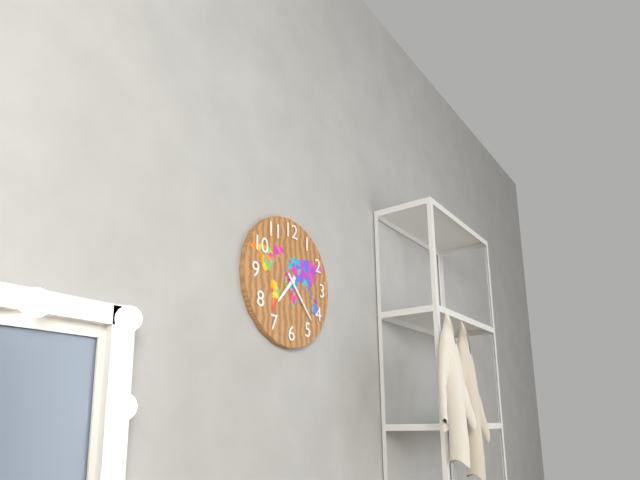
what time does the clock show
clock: 7:23
